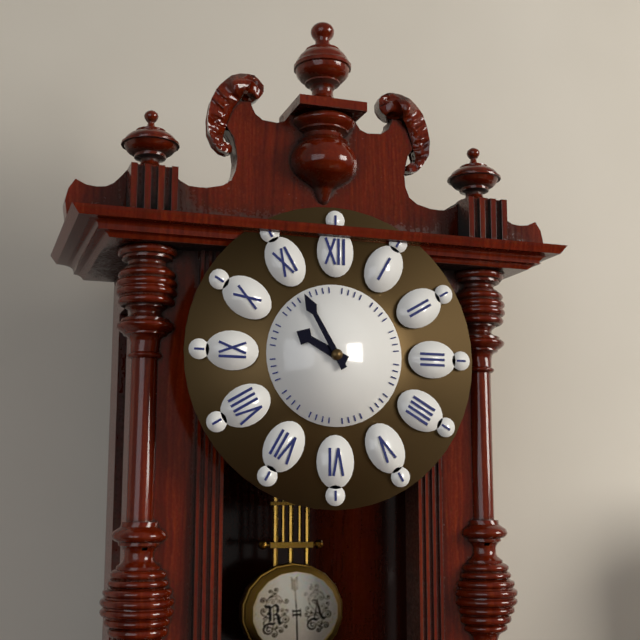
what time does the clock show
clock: 9:55
